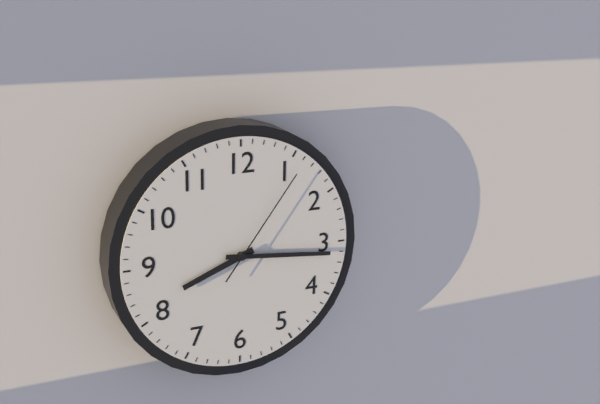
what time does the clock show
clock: 8:16:06
